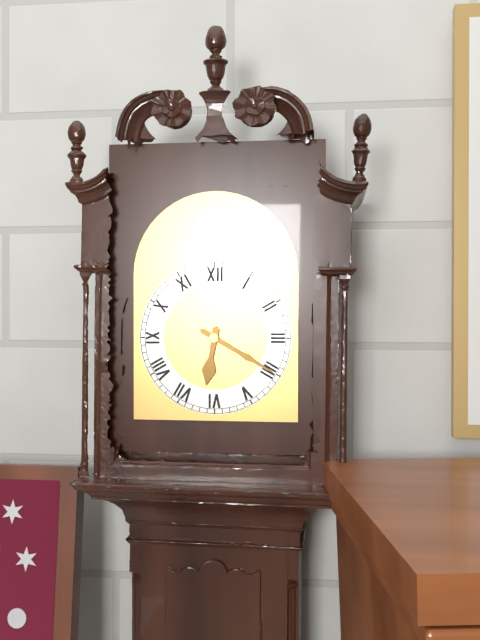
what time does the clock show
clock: 6:20
